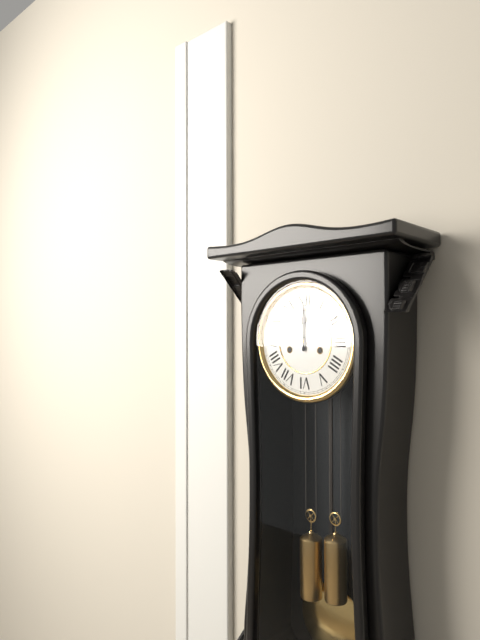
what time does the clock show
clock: 12:00
